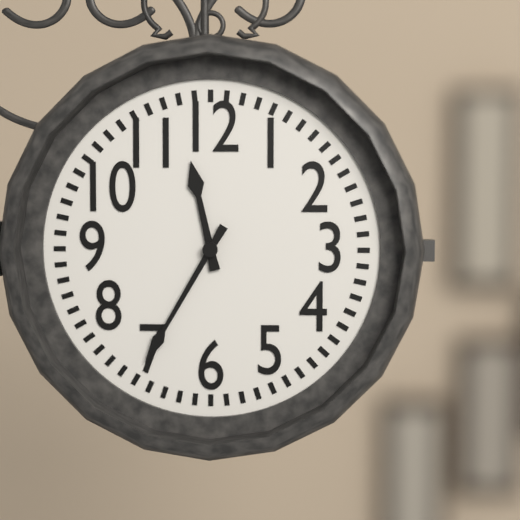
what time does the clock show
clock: 11:35
